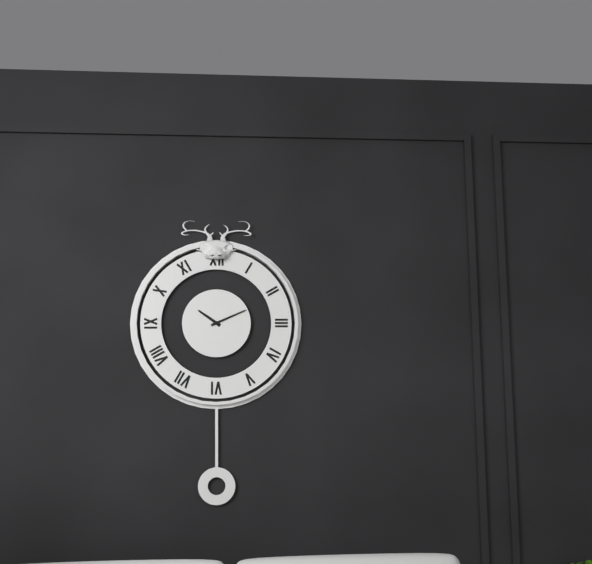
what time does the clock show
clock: 10:11
